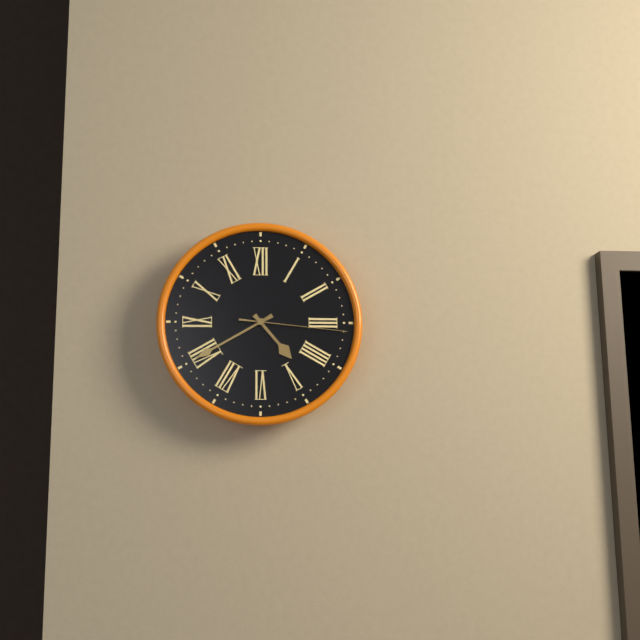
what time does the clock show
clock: 4:40:16
